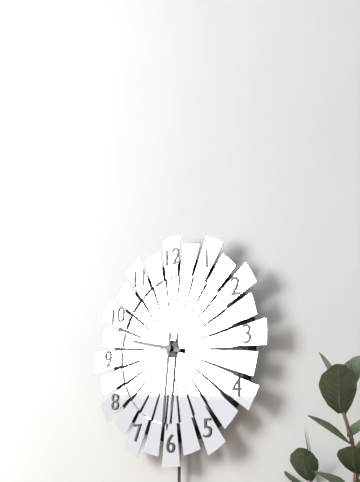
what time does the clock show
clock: 9:31
